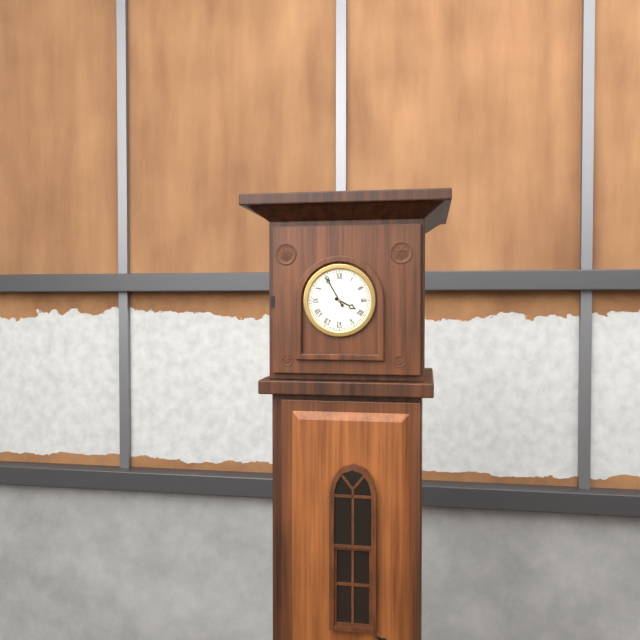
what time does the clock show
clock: 3:55
